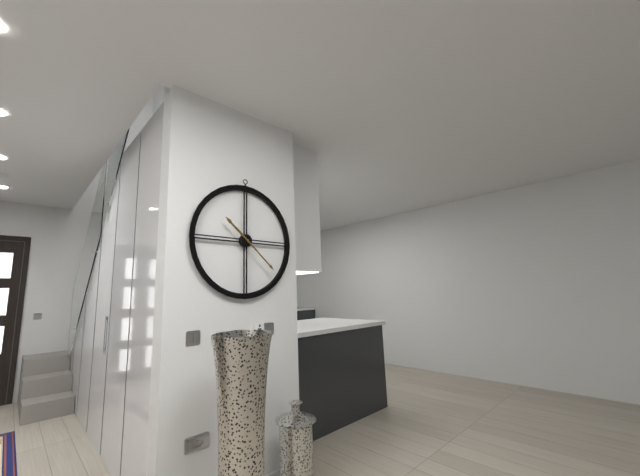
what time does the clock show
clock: 10:22
